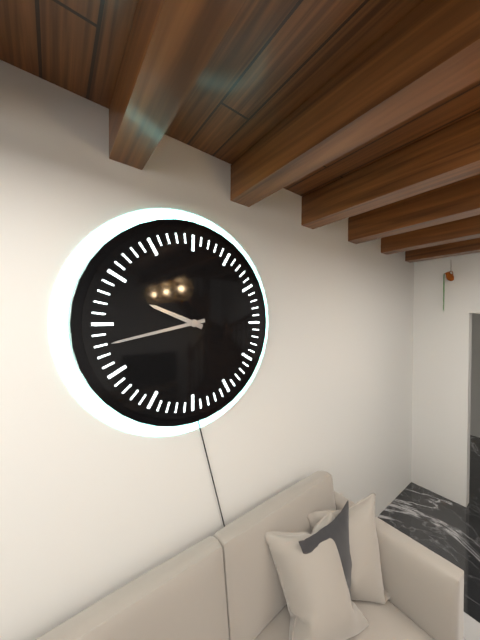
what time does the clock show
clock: 9:43
